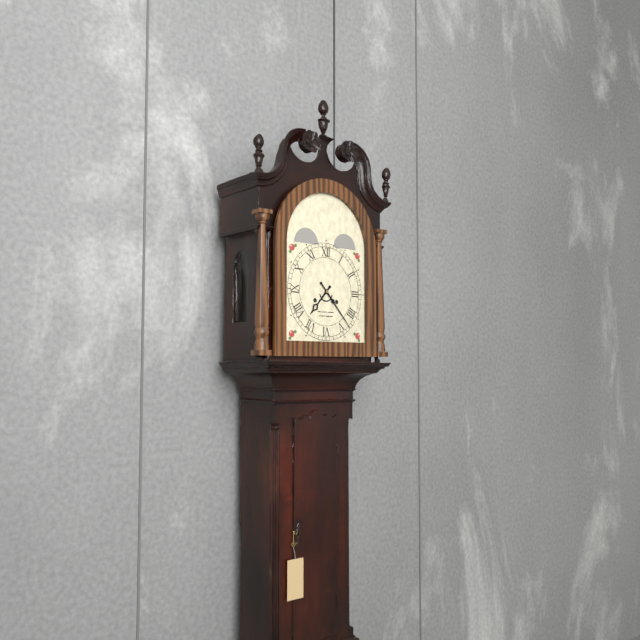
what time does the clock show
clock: 7:23
